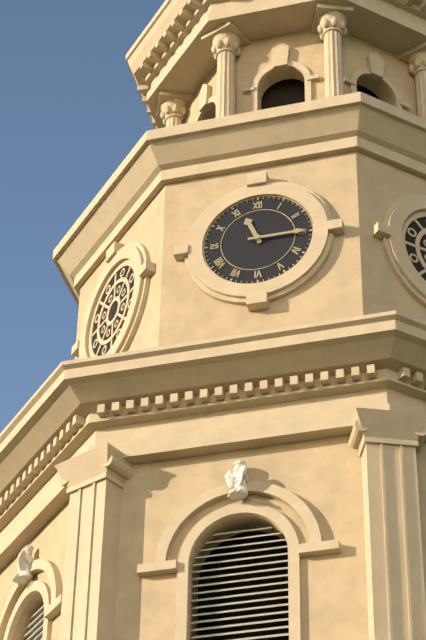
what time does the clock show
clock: 11:15
